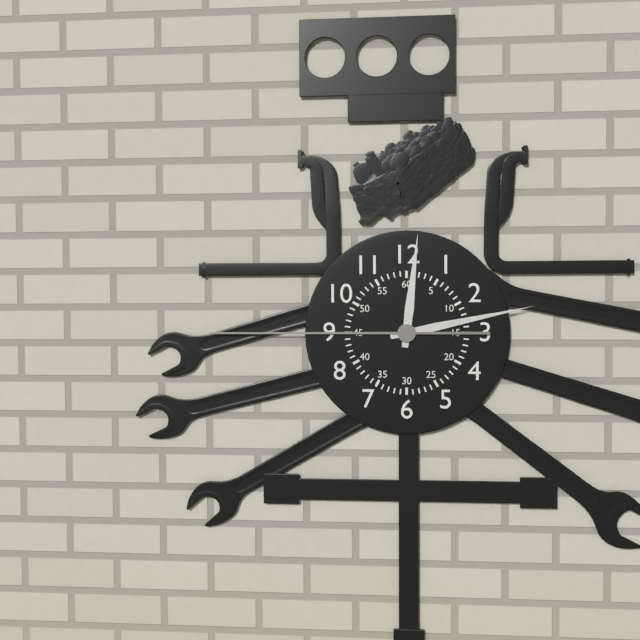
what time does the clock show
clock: 12:13:45
